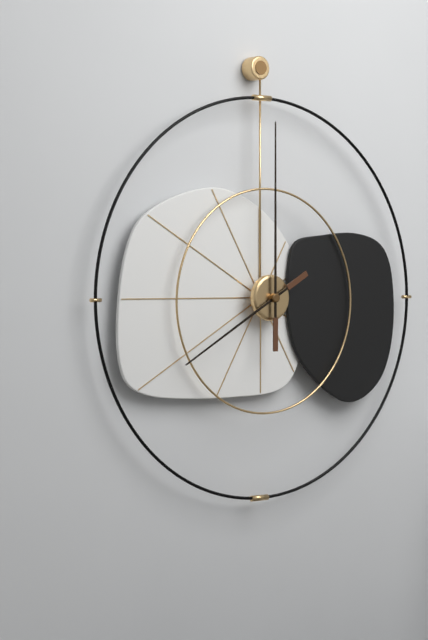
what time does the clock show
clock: 8:00
